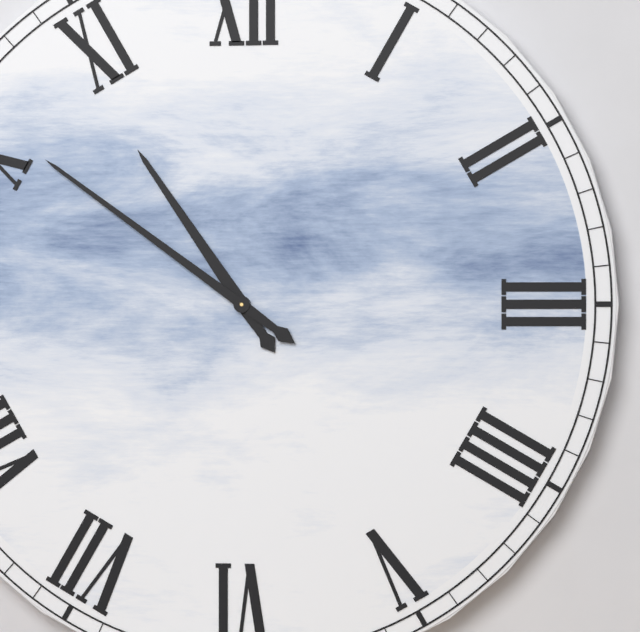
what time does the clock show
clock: 10:51
